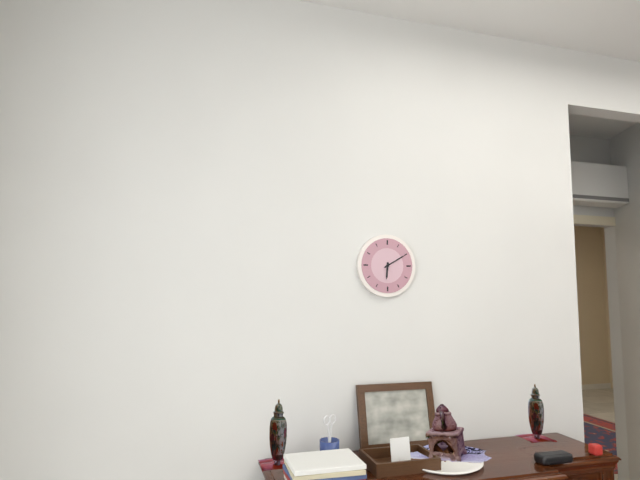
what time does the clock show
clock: 6:10
